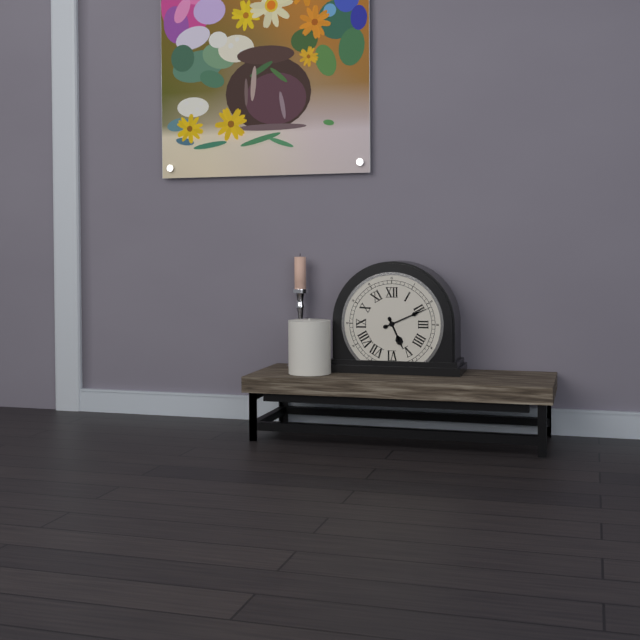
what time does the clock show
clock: 5:11
